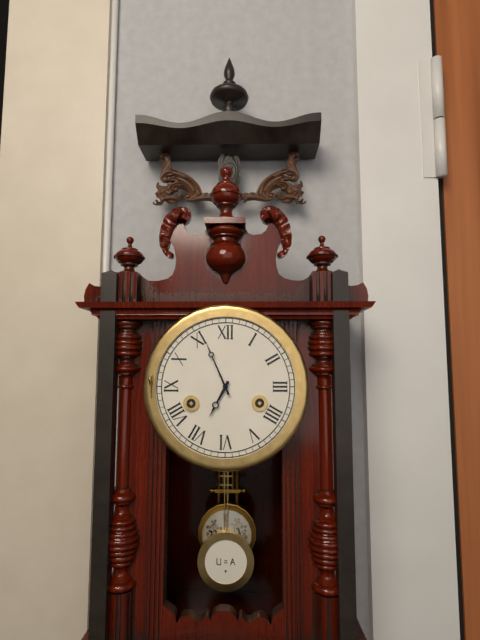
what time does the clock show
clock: 6:56
